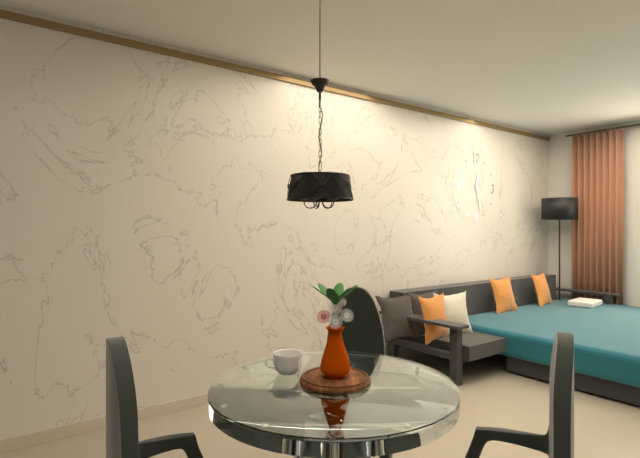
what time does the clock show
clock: 12:27
